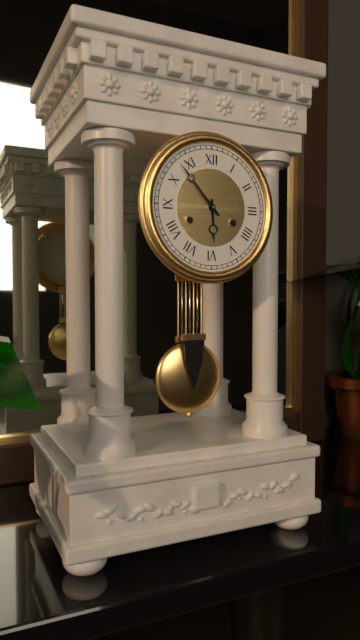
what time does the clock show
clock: 5:53
